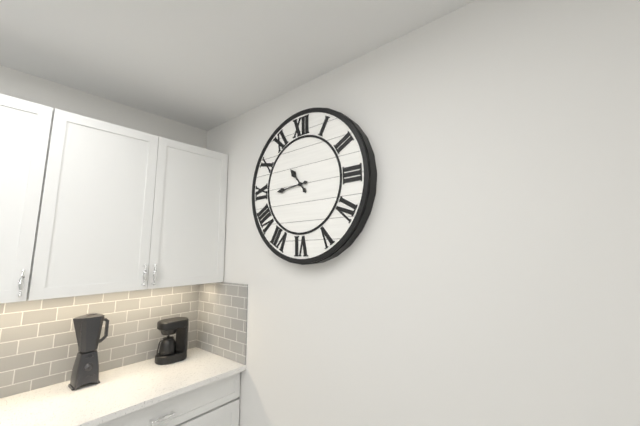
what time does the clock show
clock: 10:44
